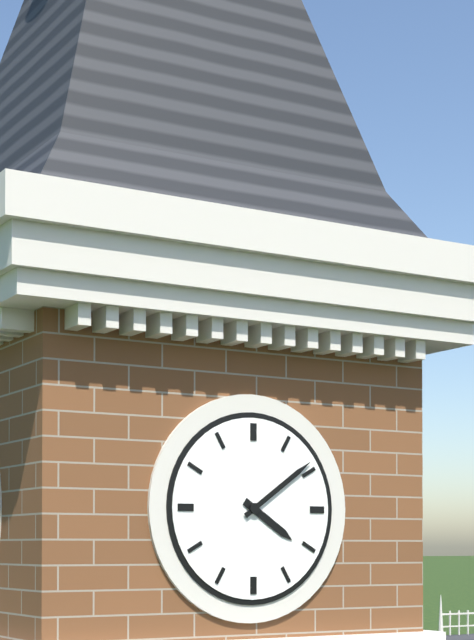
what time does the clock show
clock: 4:09
